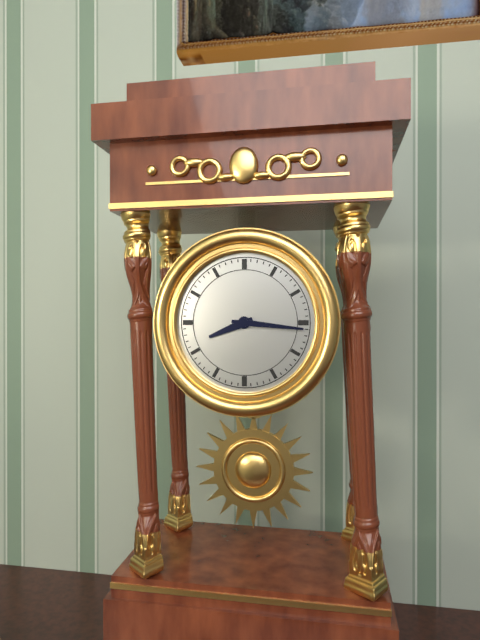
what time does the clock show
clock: 8:16
